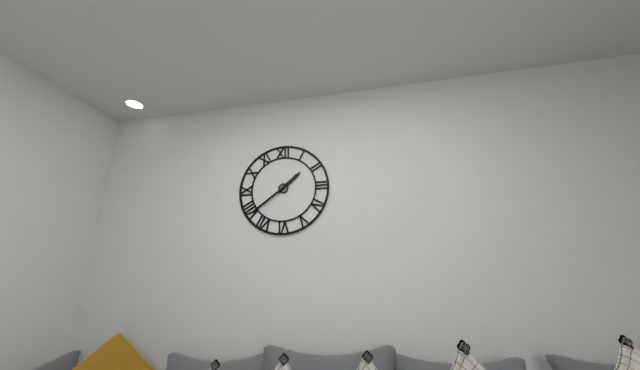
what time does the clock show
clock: 1:39
